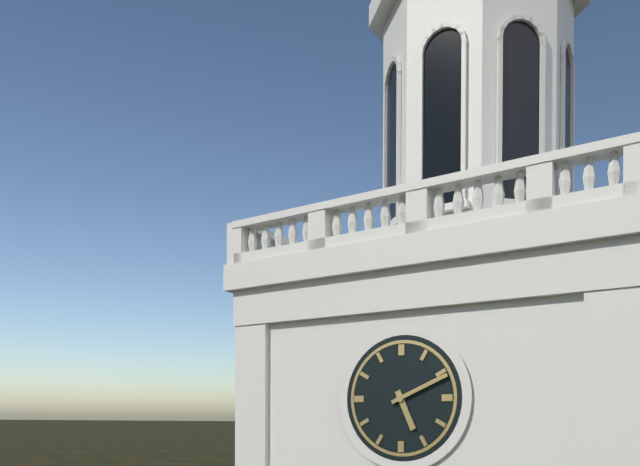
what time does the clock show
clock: 5:11
